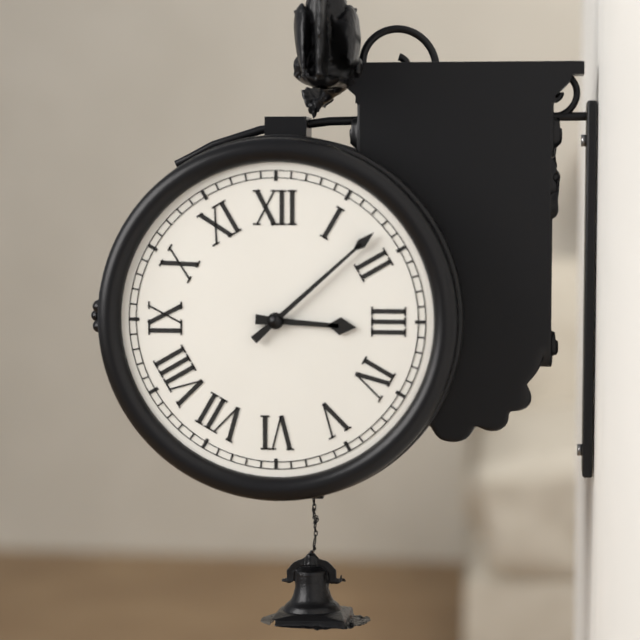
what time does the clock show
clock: 3:08
